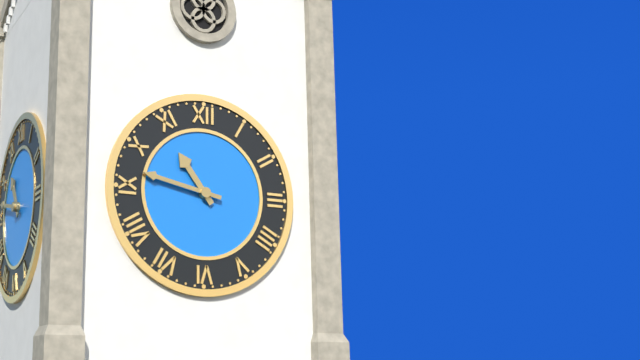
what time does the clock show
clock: 10:47
